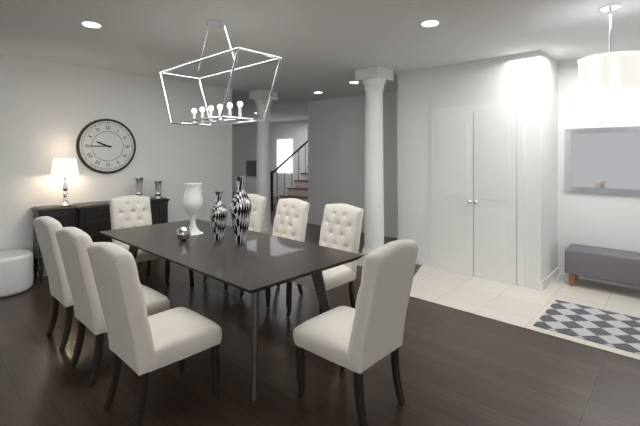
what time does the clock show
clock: 9:45
